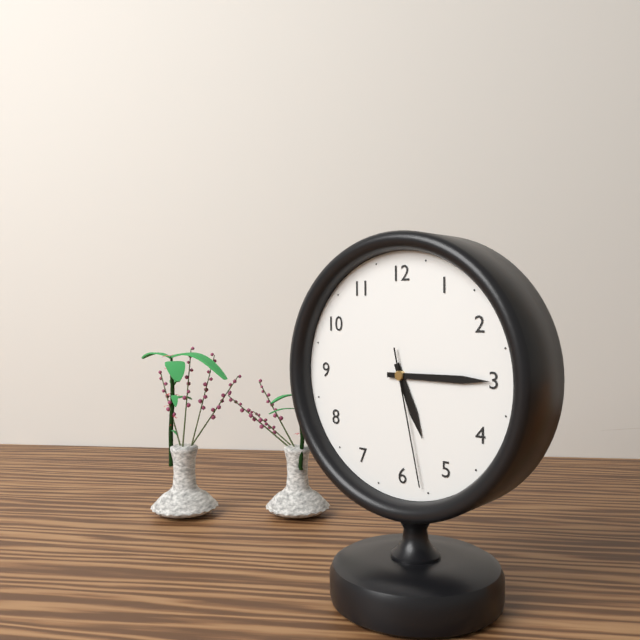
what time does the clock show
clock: 5:15:28
